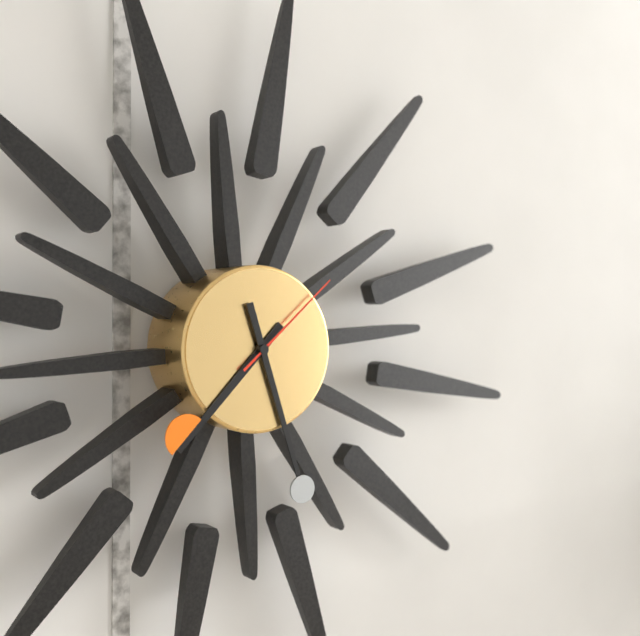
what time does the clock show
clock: 7:27:08
